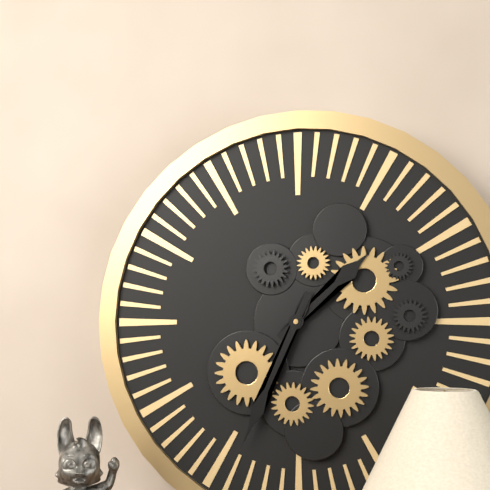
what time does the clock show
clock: 1:34
